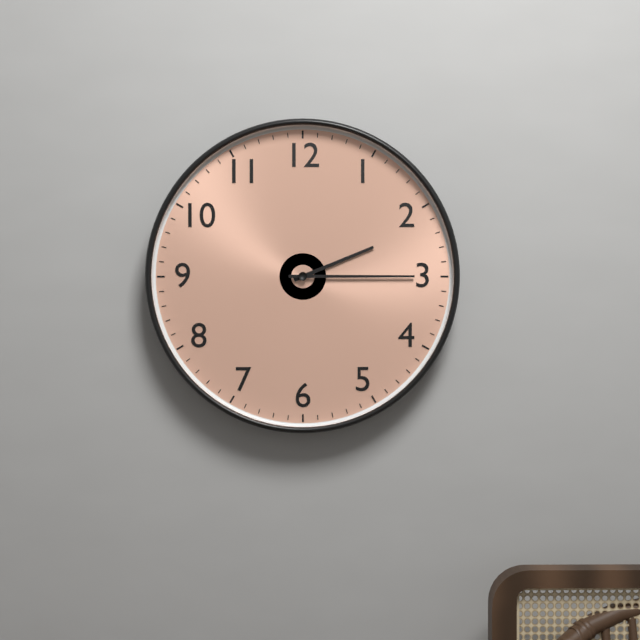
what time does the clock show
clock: 2:15
